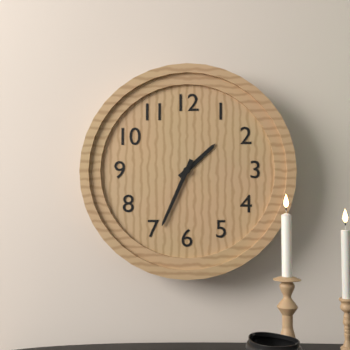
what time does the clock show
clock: 1:34
